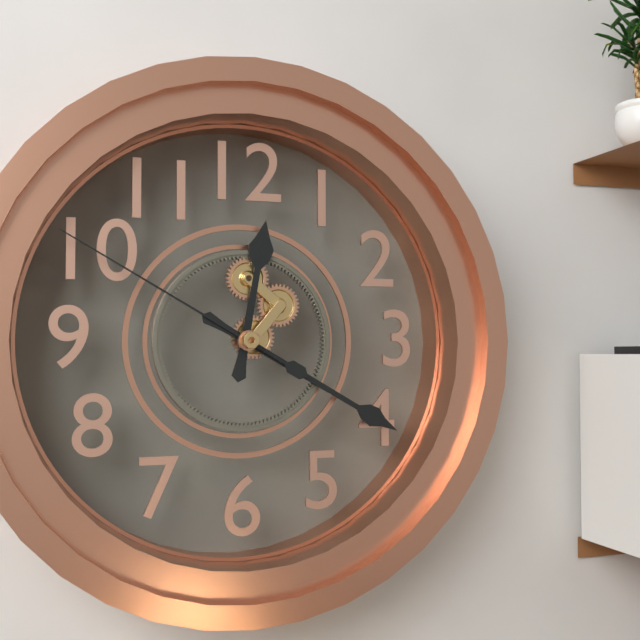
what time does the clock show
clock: 12:20:50
